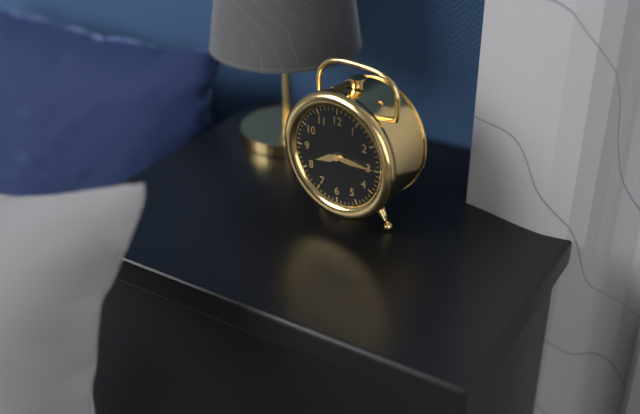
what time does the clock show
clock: 8:15
